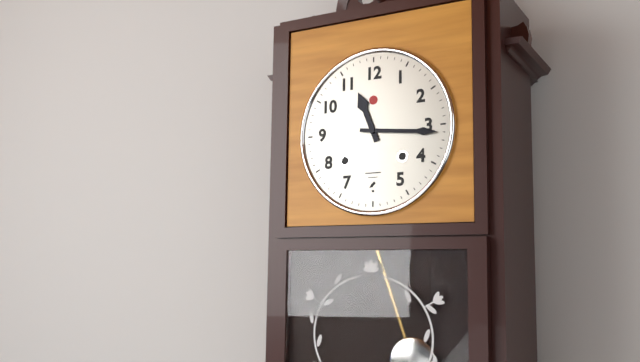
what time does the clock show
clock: 11:16
